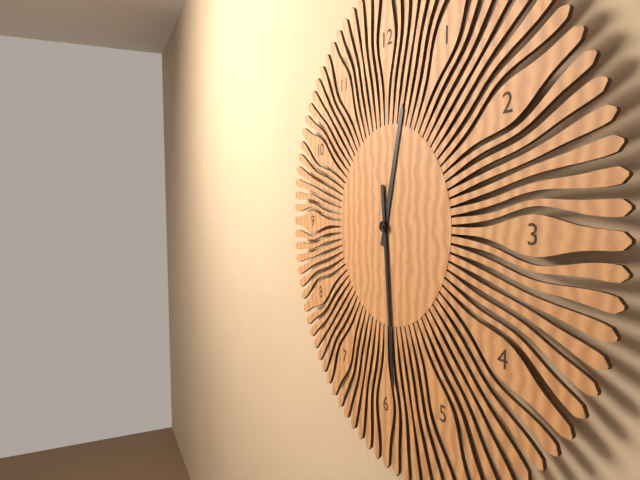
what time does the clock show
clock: 12:29
